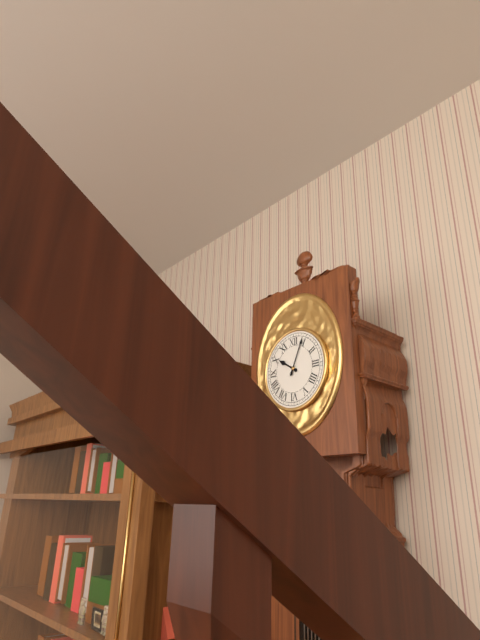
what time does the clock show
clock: 10:04
